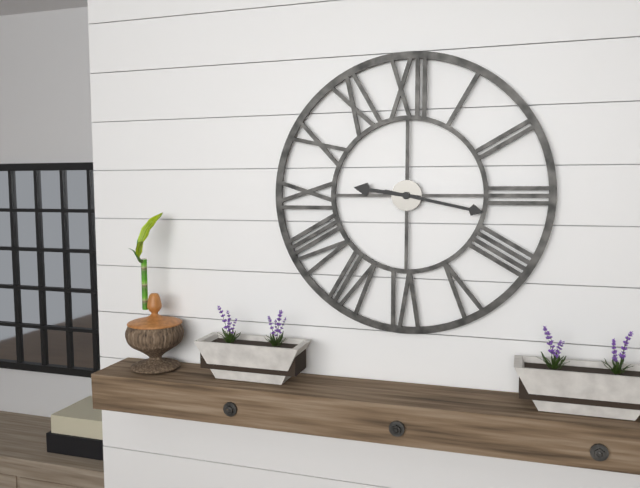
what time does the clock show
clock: 9:17
